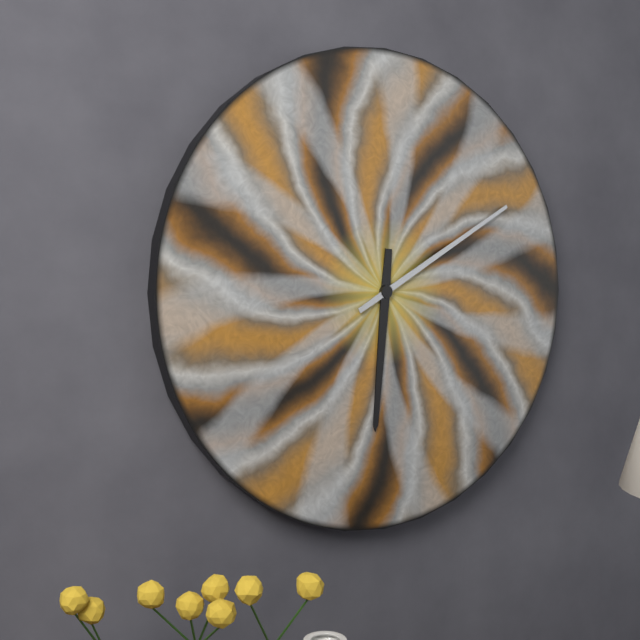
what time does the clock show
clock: 6:10
